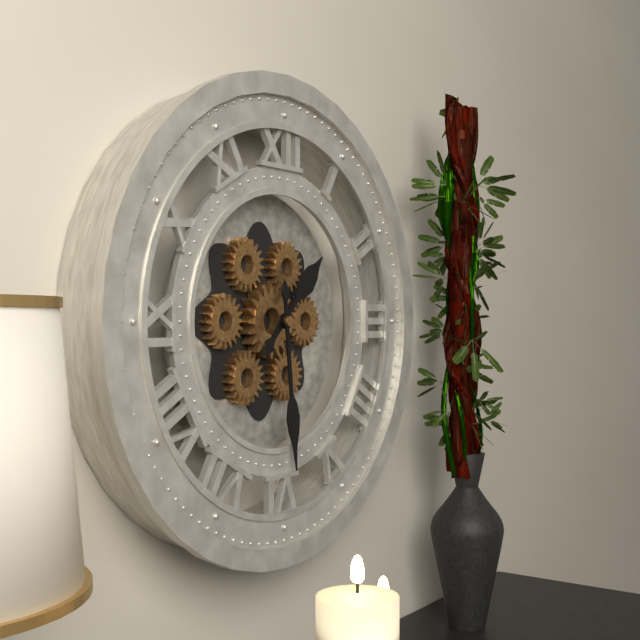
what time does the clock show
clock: 1:29
